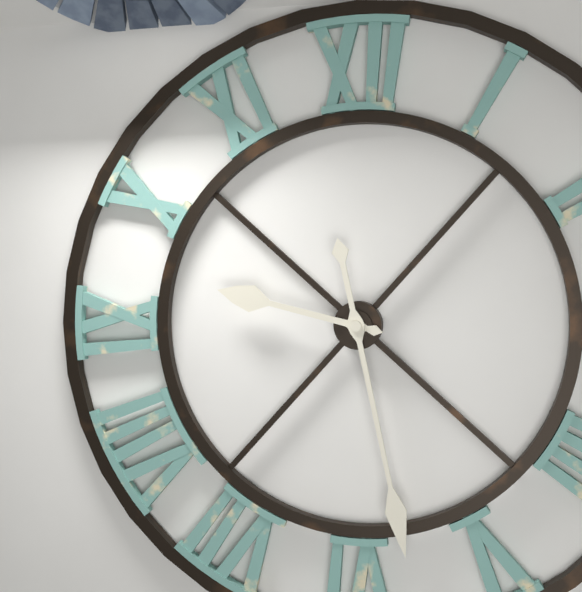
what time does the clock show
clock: 9:28
